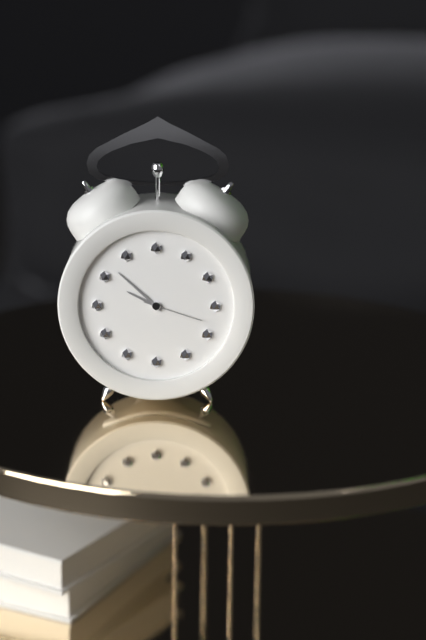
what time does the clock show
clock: 9:52:18
